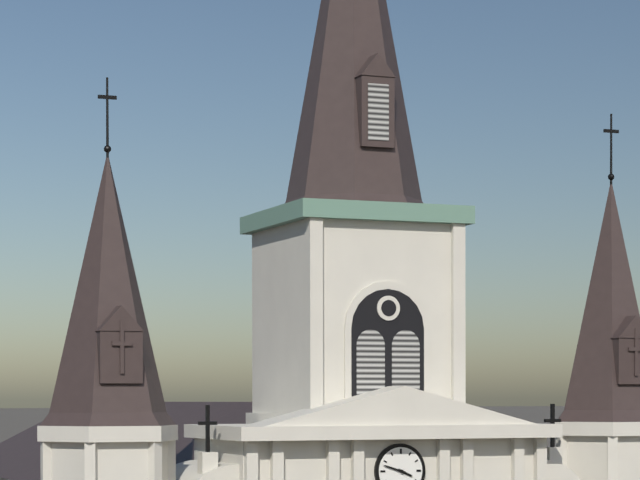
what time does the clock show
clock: 3:48
